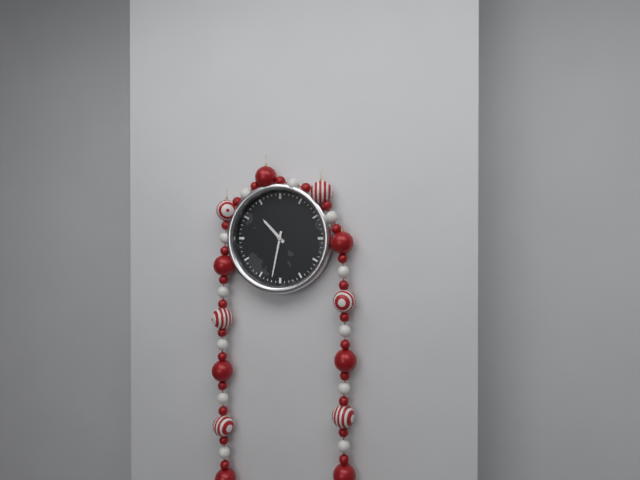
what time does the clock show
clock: 10:32
